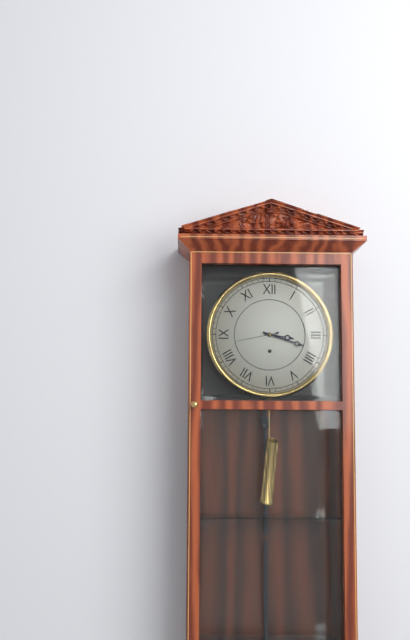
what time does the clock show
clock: 3:18
